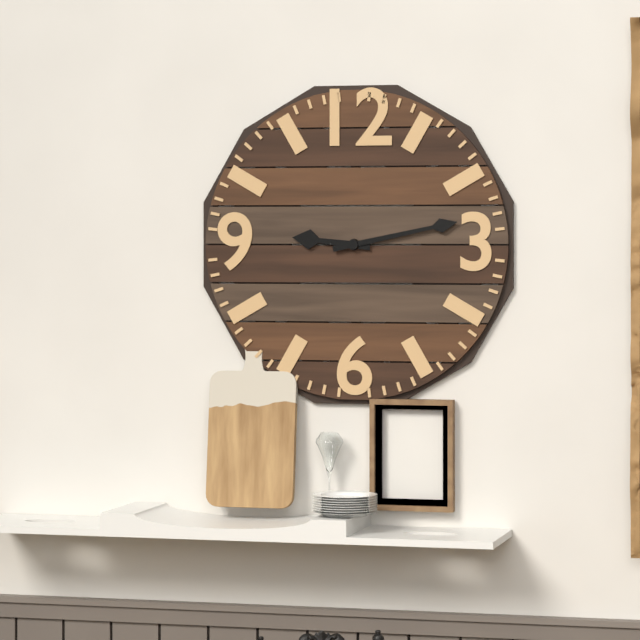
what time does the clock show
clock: 9:13
